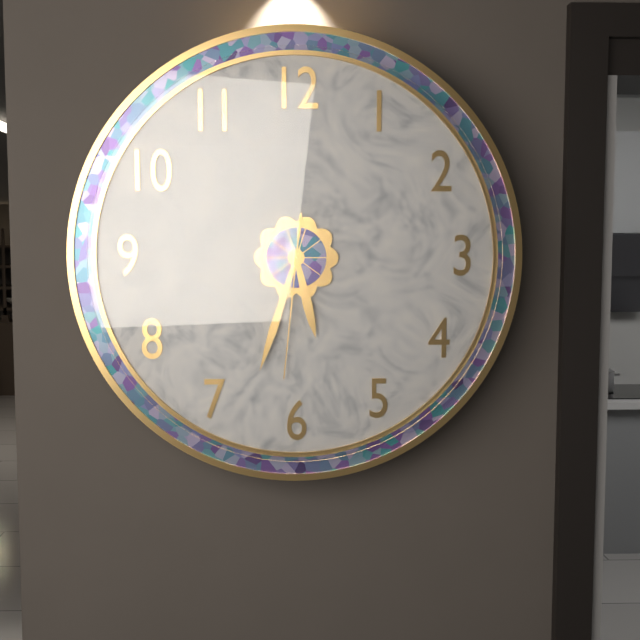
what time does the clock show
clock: 5:33:31
